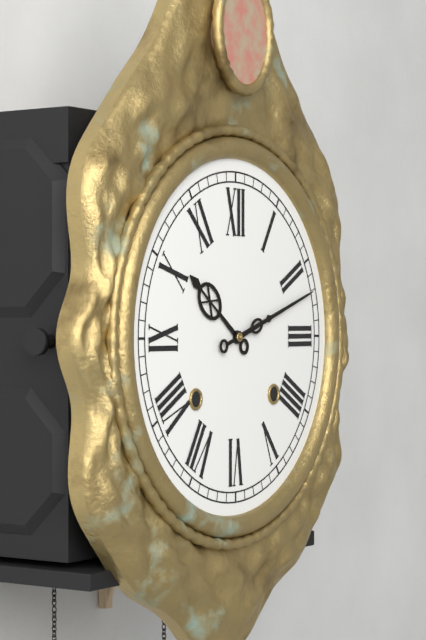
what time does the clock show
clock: 10:12
